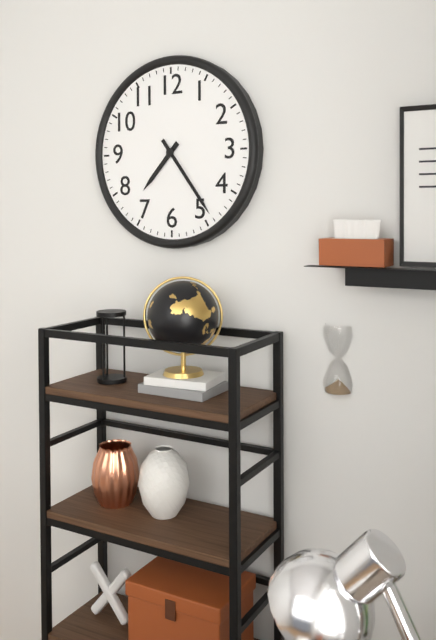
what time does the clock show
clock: 7:24
